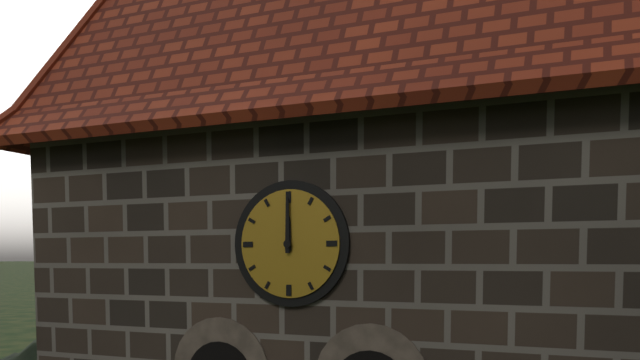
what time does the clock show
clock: 12:00
